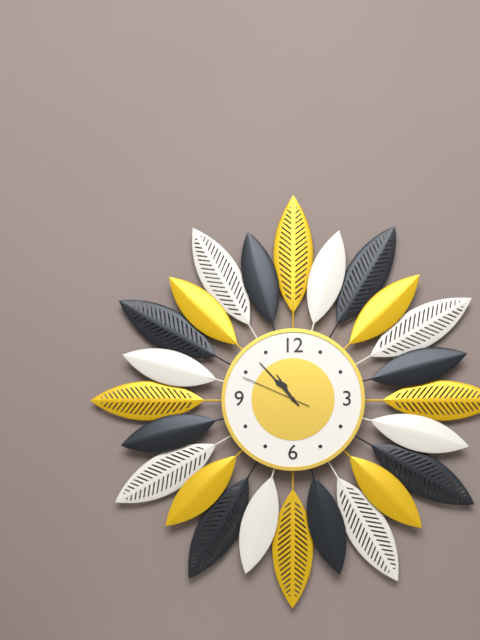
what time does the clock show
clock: 10:53:49
